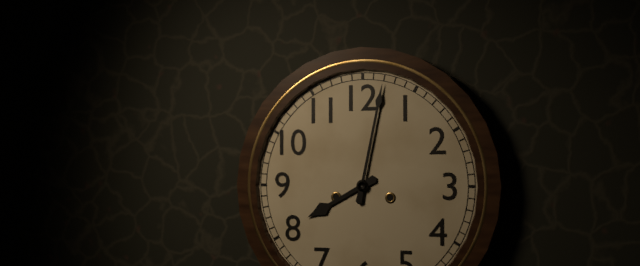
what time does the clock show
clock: 8:02
